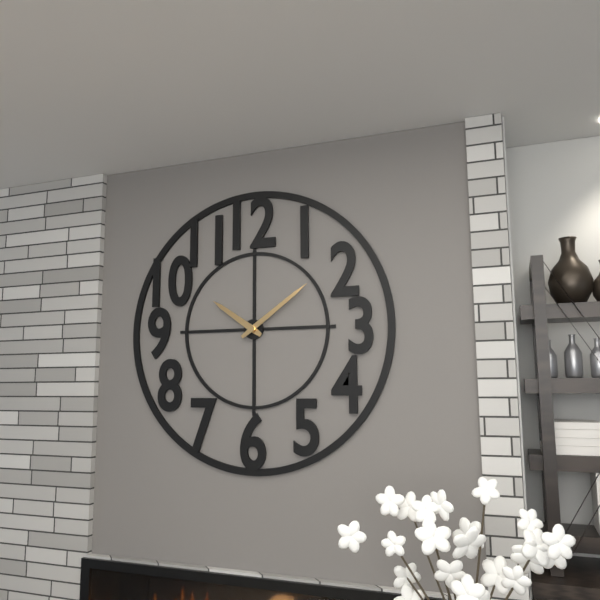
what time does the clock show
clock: 10:09
